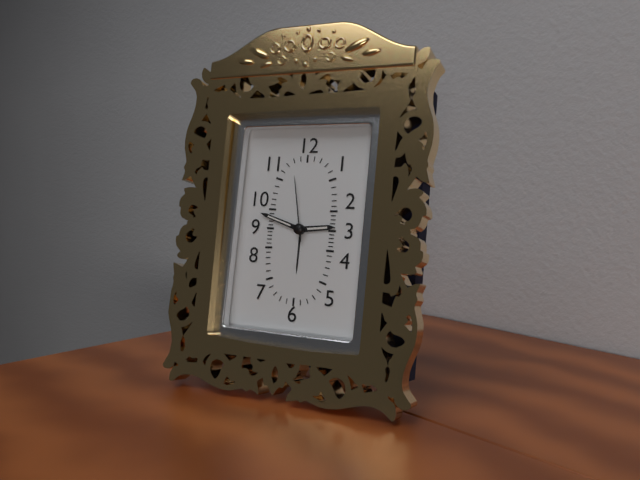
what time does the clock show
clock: 2:48:58
